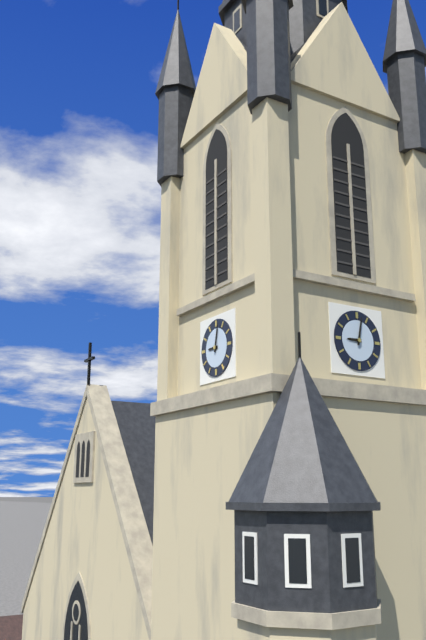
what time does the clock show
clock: 9:02
